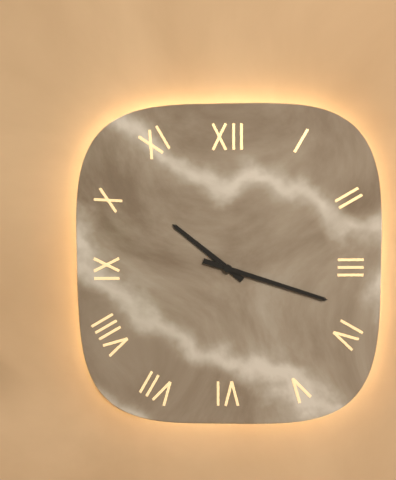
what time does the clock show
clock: 10:18
